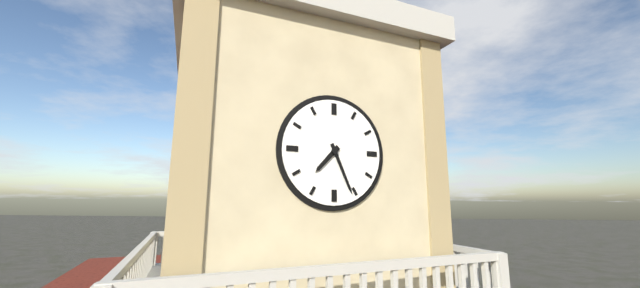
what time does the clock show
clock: 7:26
